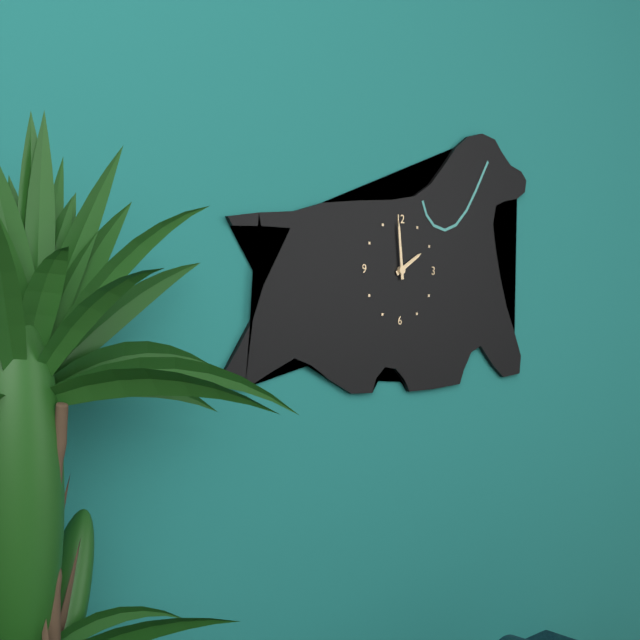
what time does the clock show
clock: 1:59
